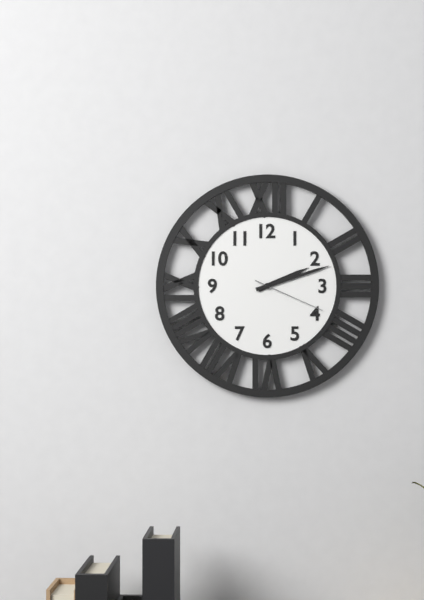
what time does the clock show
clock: 2:12:19
